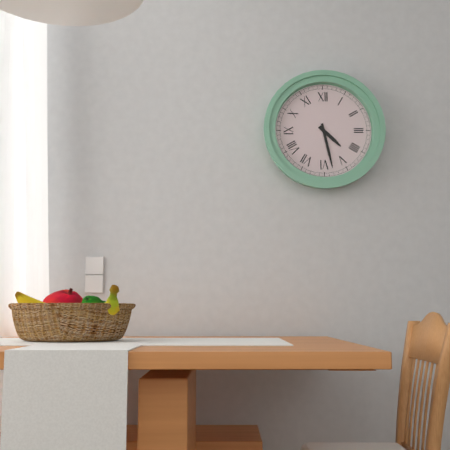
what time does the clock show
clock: 4:28
